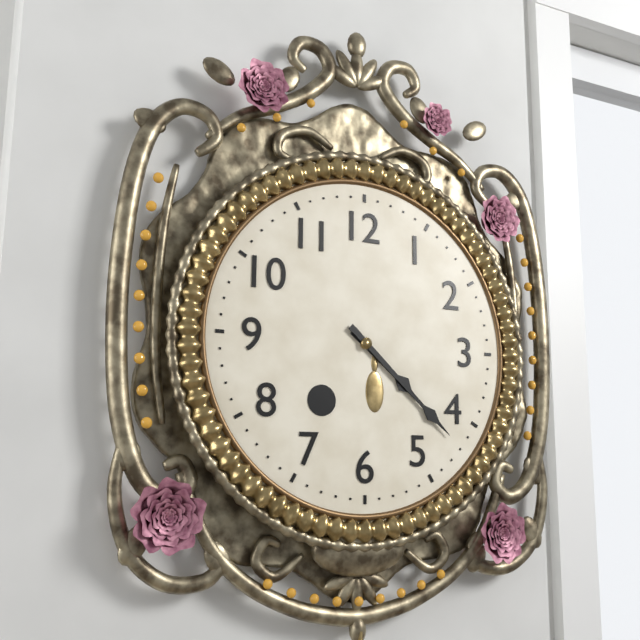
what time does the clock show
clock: 4:22
